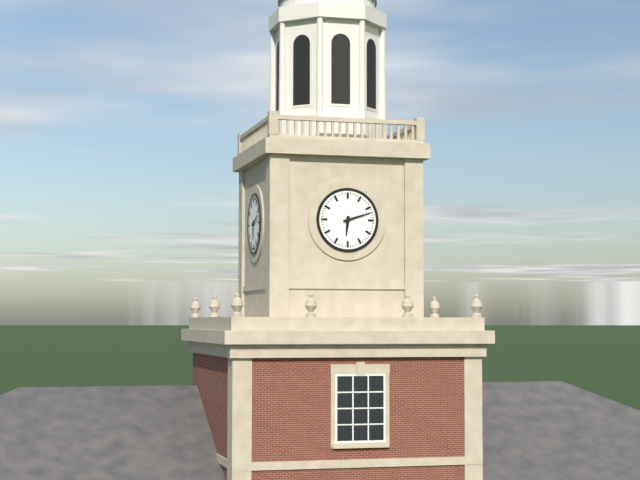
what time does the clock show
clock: 6:12
